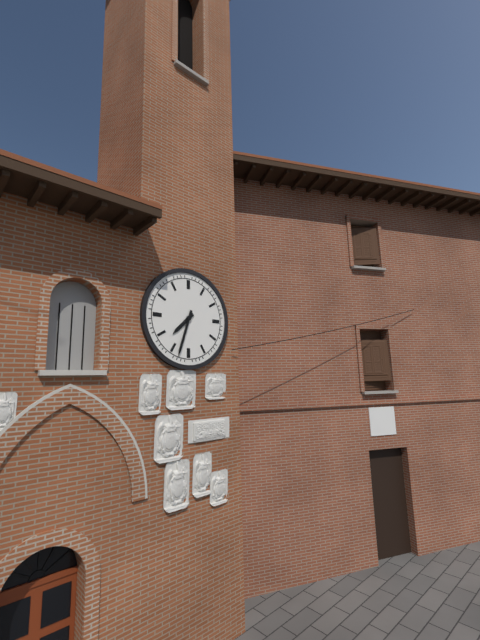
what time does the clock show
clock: 7:33
